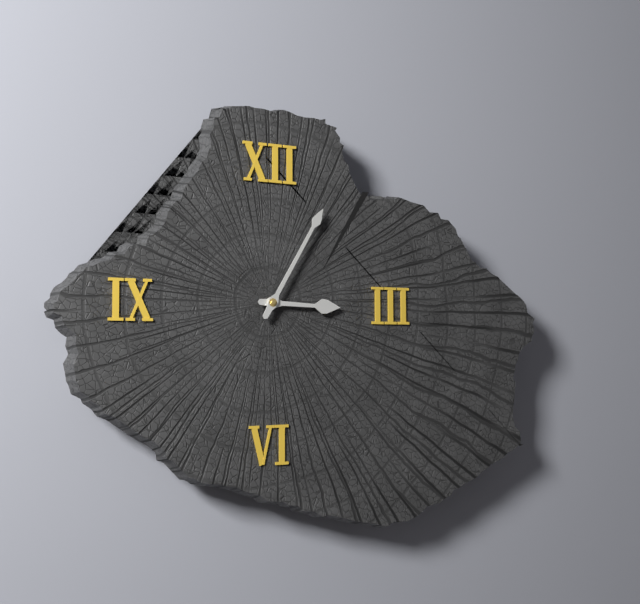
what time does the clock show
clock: 3:05
